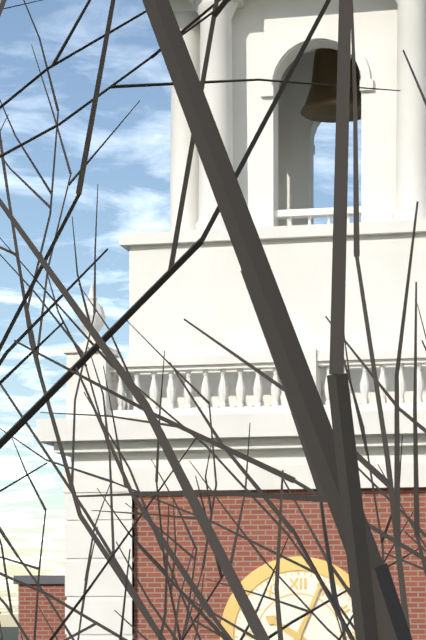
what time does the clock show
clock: 10:04
